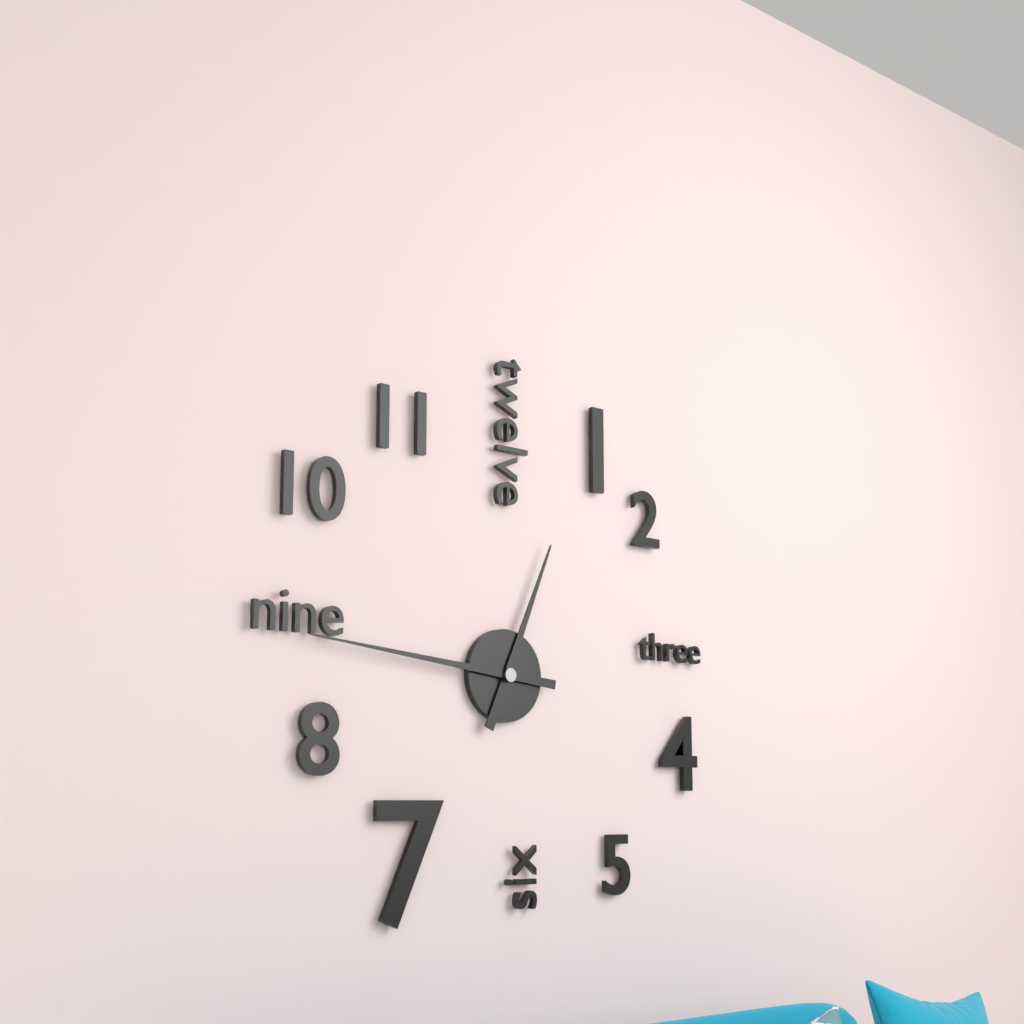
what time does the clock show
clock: 12:46
